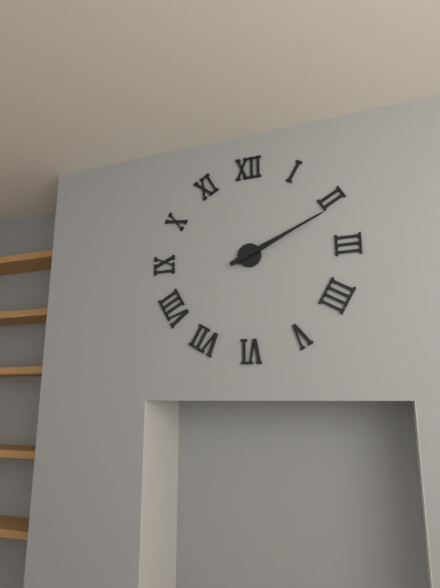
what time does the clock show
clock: 2:11
